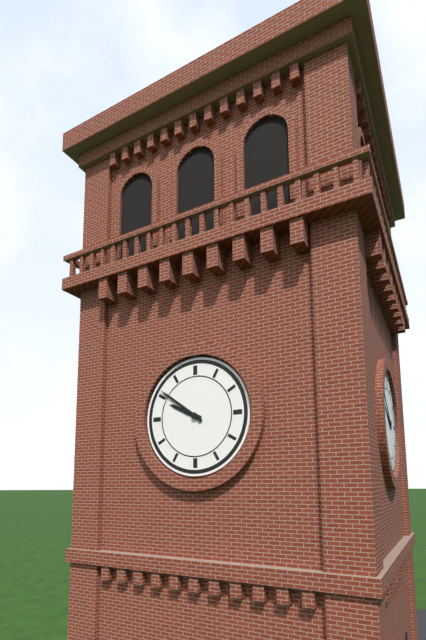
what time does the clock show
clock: 9:51
